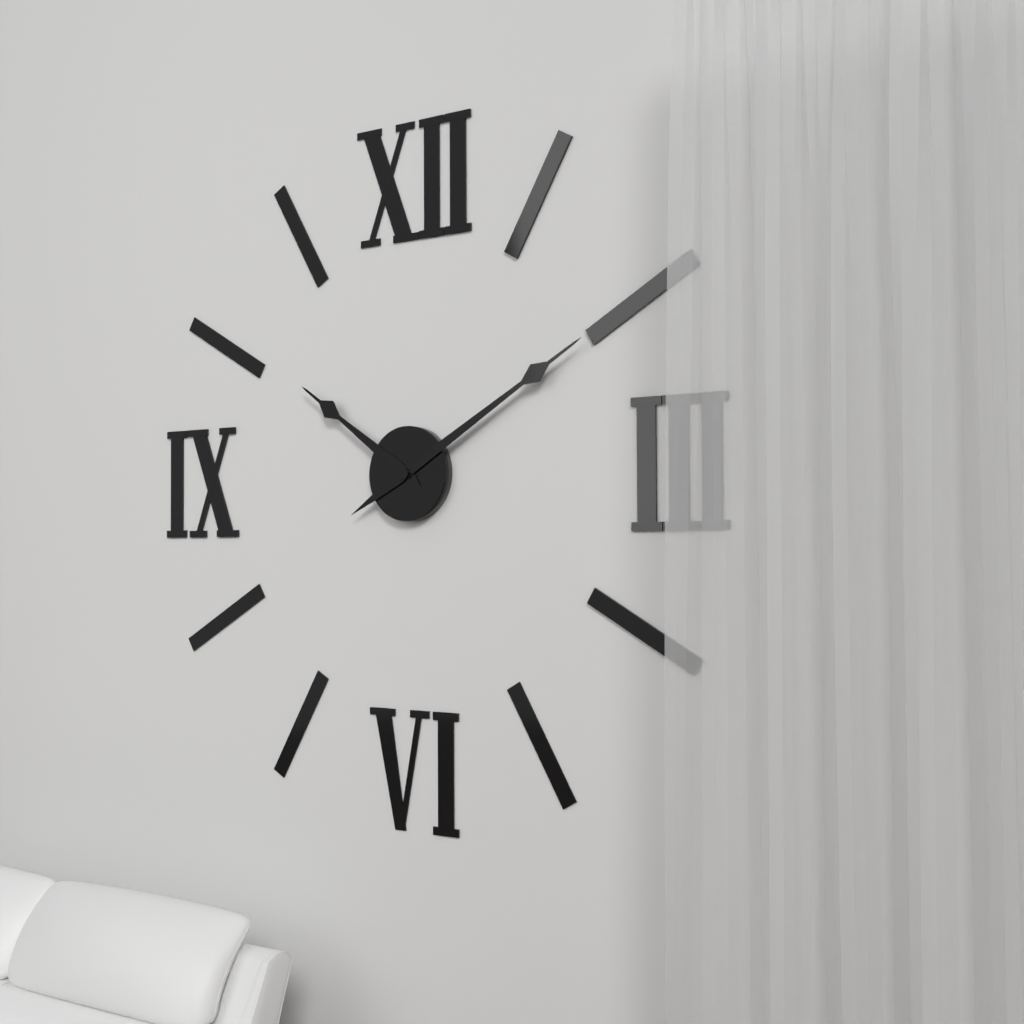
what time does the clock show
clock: 10:10
